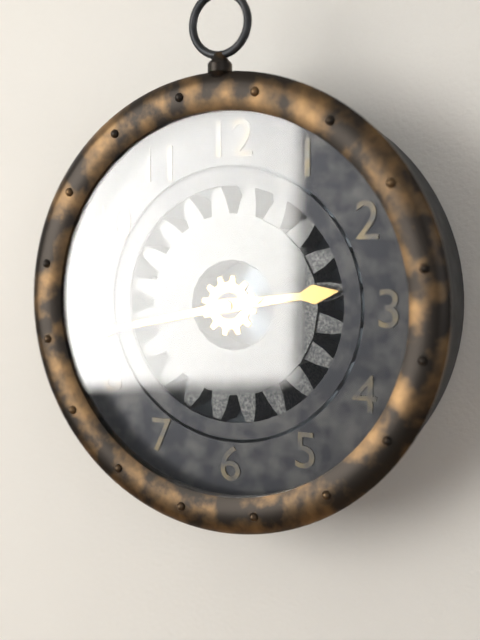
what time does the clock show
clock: 2:43
